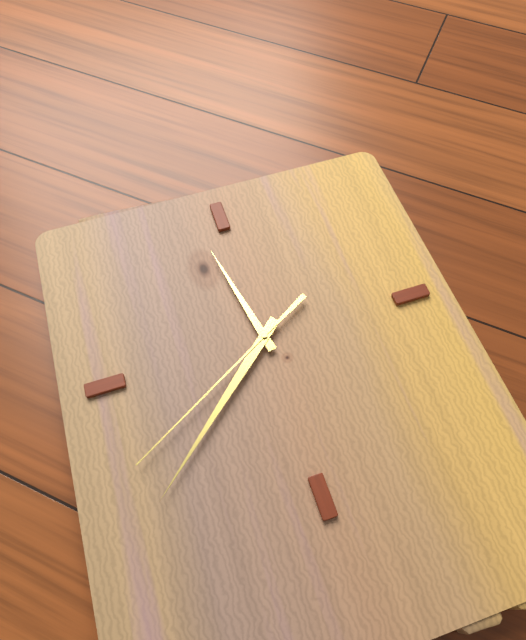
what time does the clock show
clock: 11:38:40
